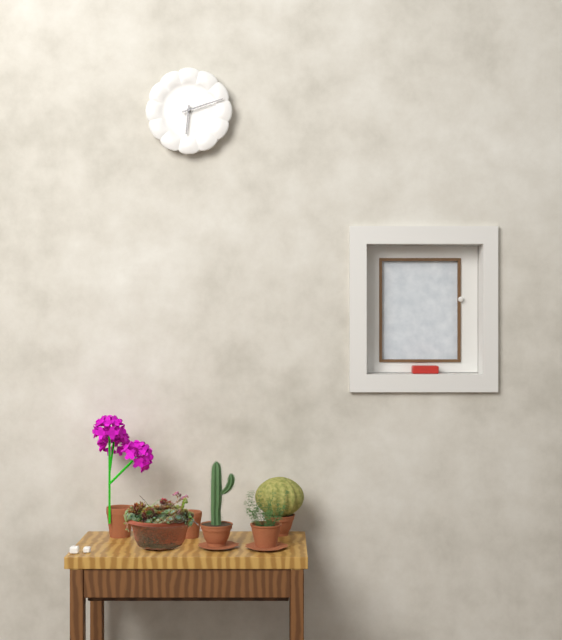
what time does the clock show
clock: 6:12
